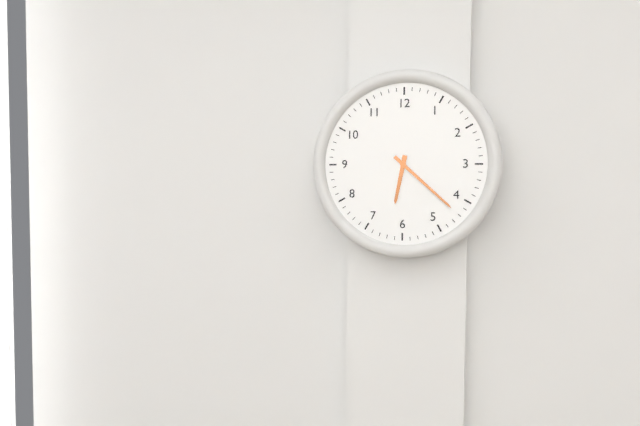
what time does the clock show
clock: 6:22
